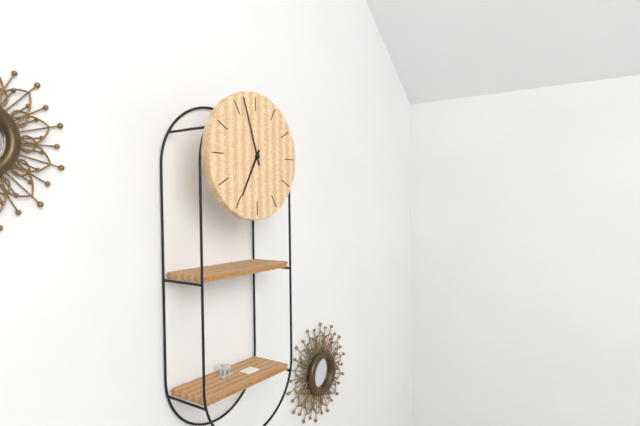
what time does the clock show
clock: 6:57
